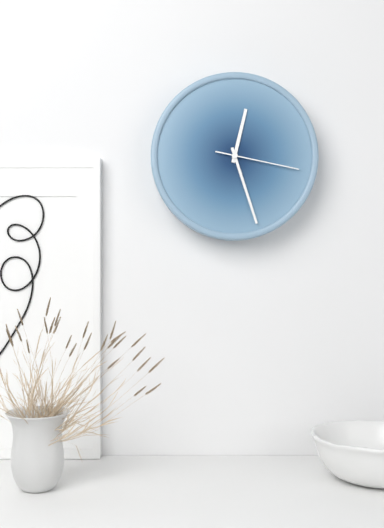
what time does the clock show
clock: 12:27:17
